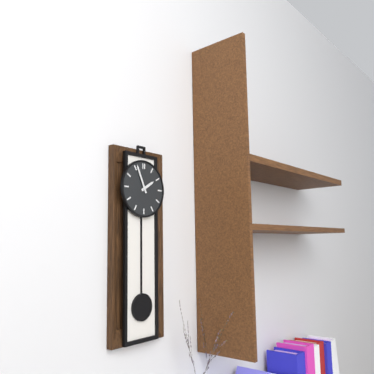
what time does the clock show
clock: 1:56
